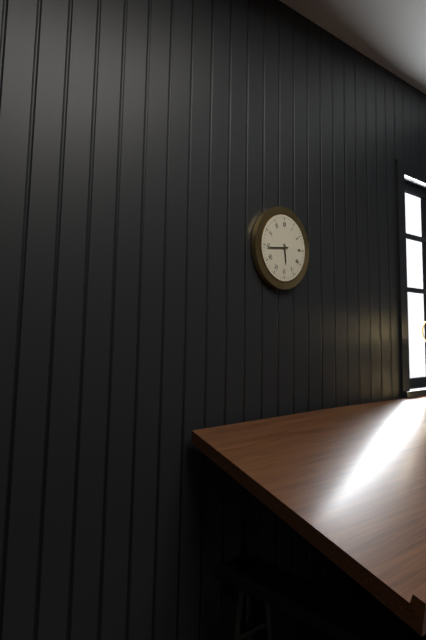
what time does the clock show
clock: 5:44
